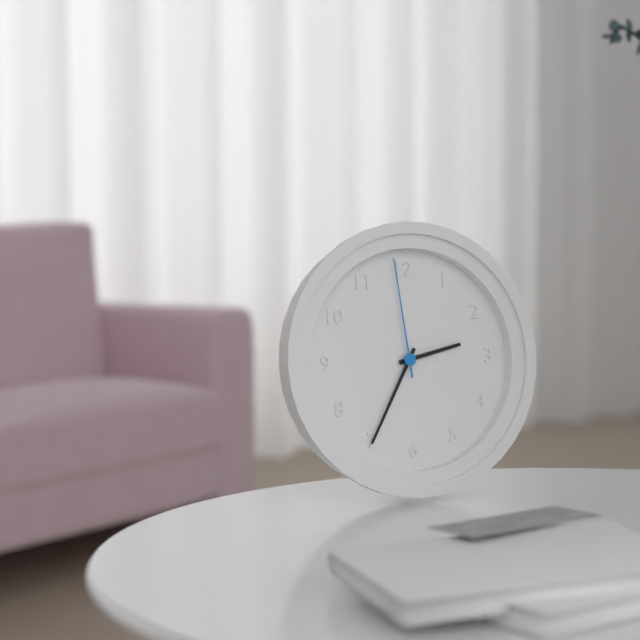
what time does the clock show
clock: 2:35:59
